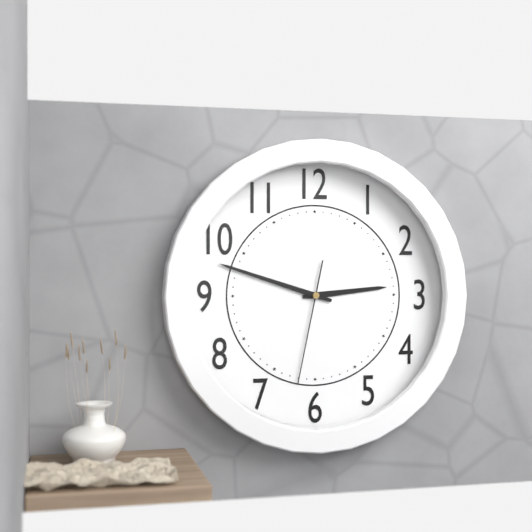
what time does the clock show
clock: 2:48:32
